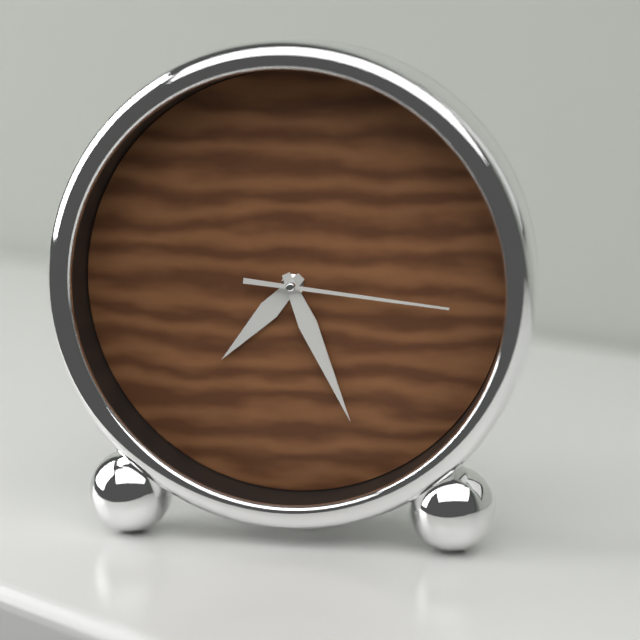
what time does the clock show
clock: 7:26:16
